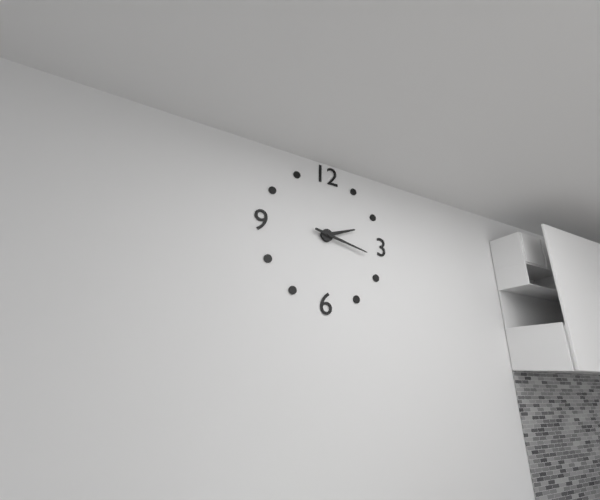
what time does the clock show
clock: 2:17
